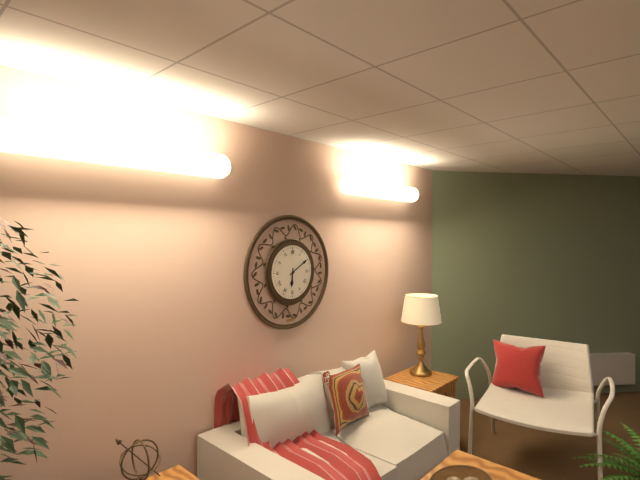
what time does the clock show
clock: 6:10
